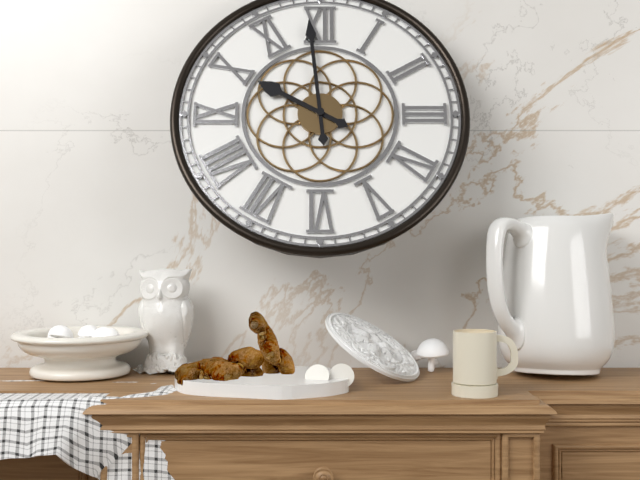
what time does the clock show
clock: 9:59
